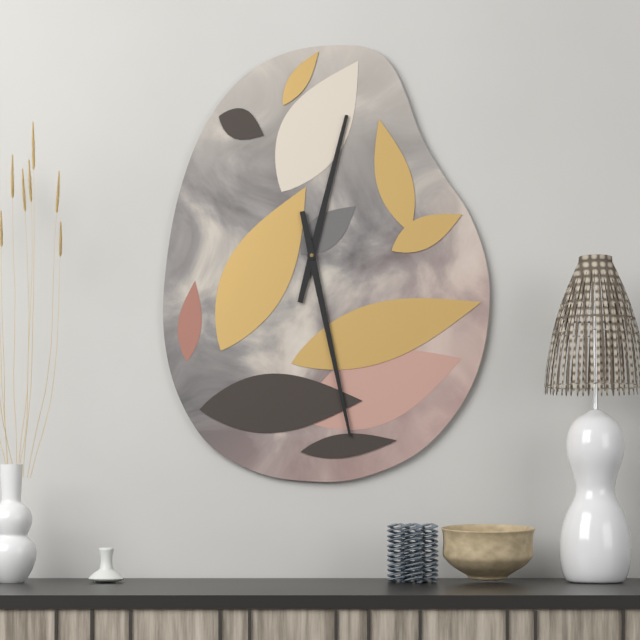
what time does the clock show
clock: 12:28
